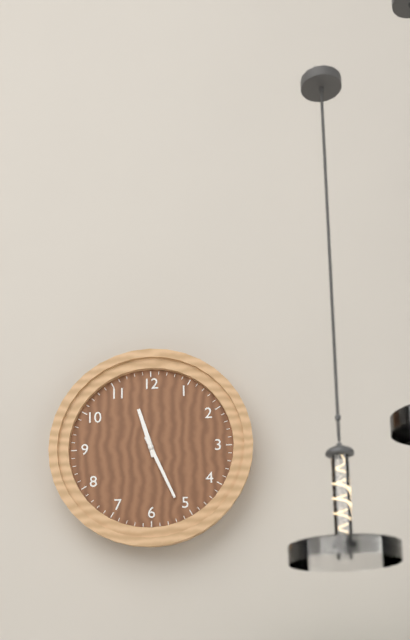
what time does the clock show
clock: 11:26
